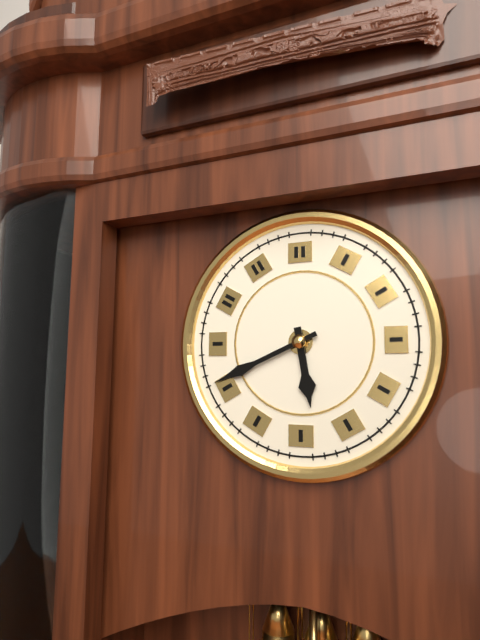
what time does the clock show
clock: 5:41
